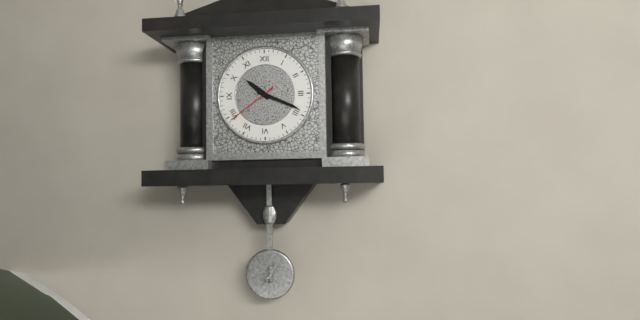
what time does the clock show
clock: 10:19:39
